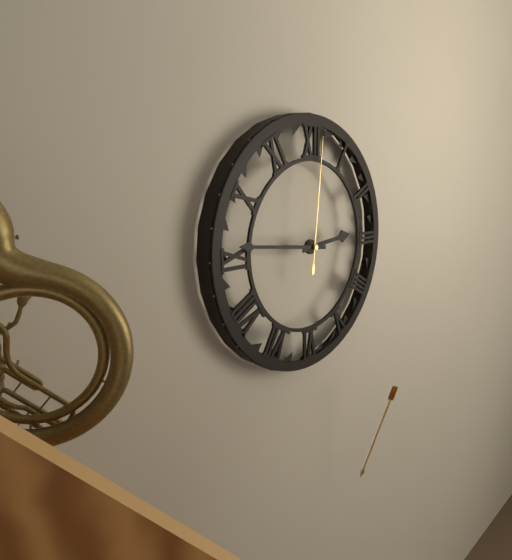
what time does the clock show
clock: 2:46:01
